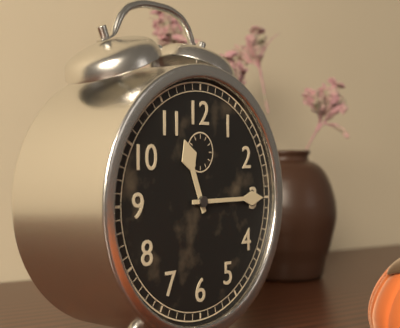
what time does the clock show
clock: 11:15
